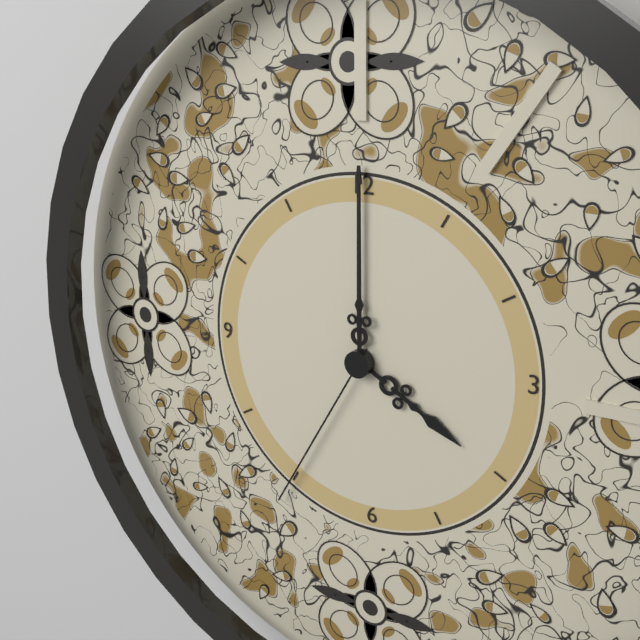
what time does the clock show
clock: 4:00:35
